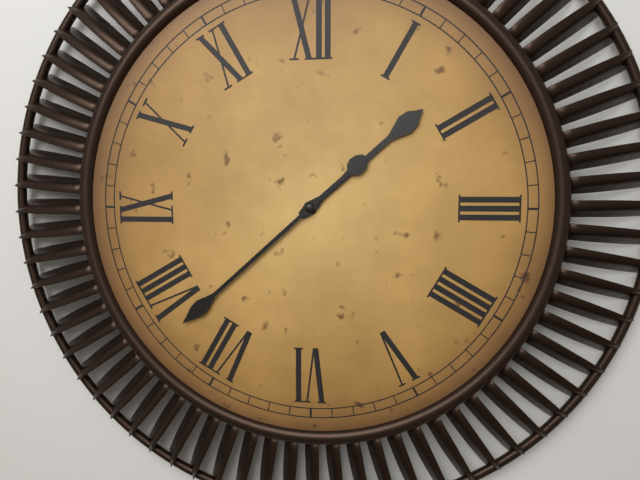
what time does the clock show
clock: 1:38
